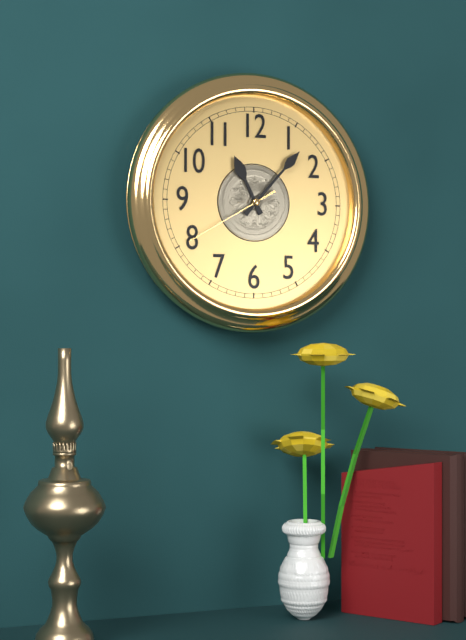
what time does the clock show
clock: 11:07:40
